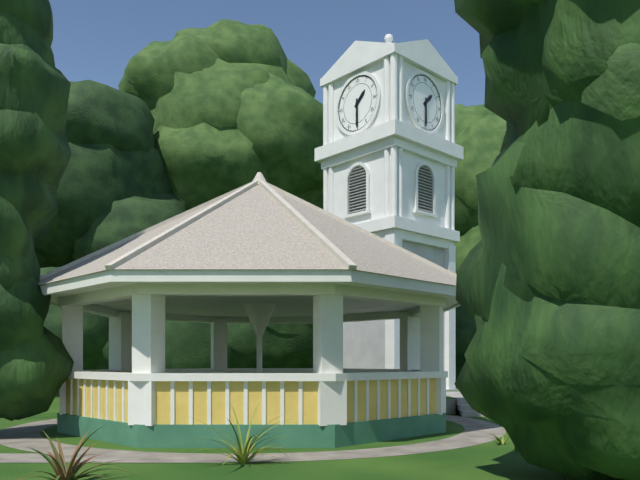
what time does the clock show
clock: 1:30
